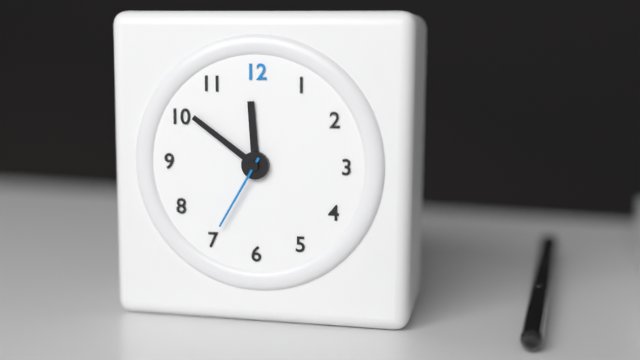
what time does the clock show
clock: 11:51:35
